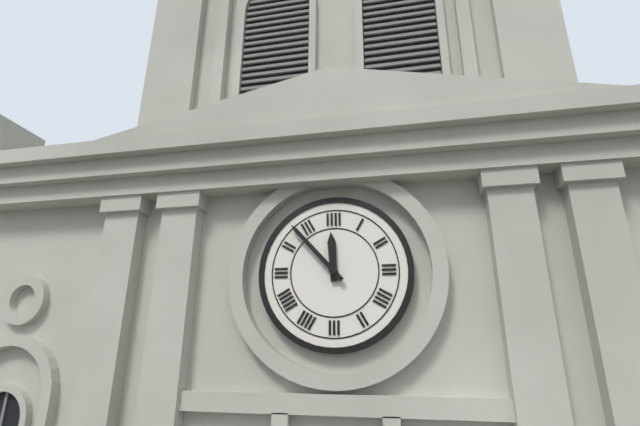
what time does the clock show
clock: 11:53
